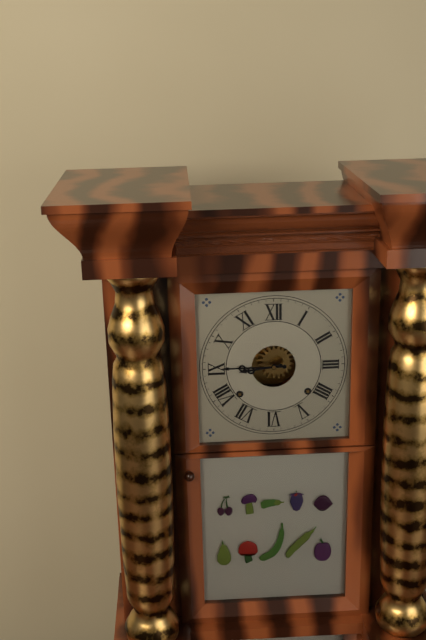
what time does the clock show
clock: 8:45
